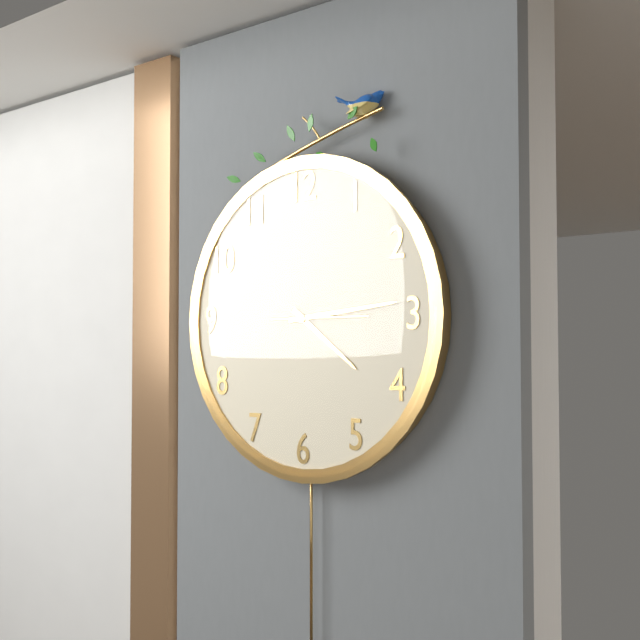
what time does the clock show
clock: 4:14:15
